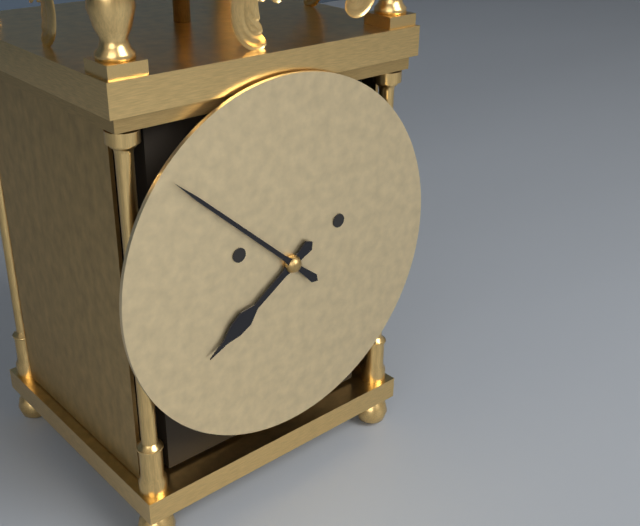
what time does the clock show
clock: 7:52
